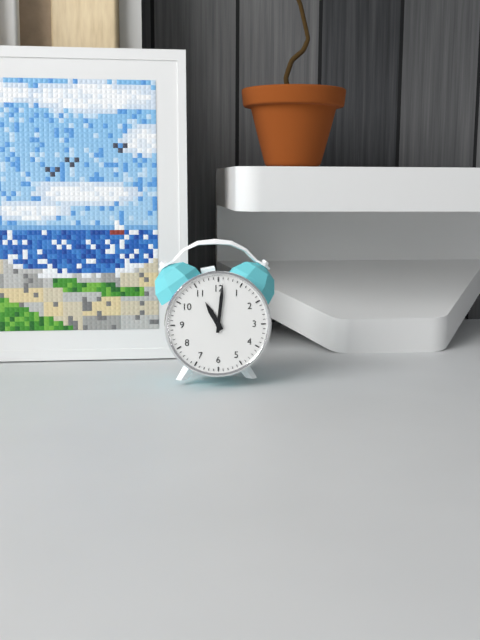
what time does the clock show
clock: 11:01
